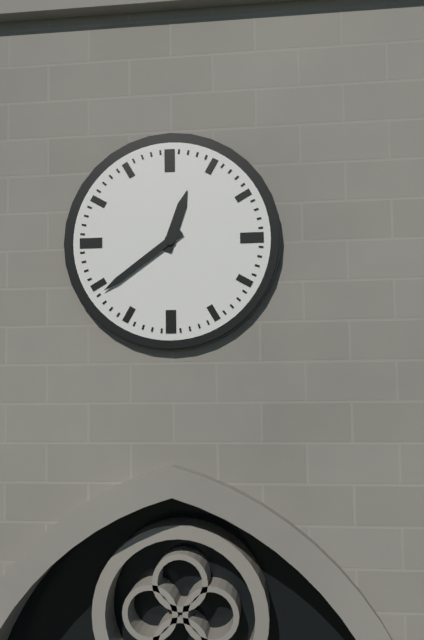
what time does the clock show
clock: 12:39
